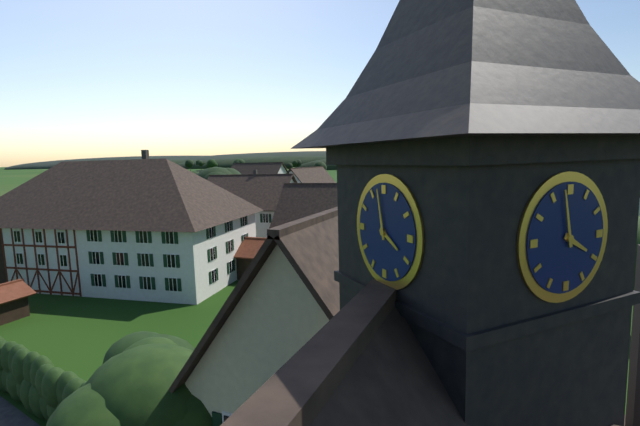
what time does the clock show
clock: 3:58
